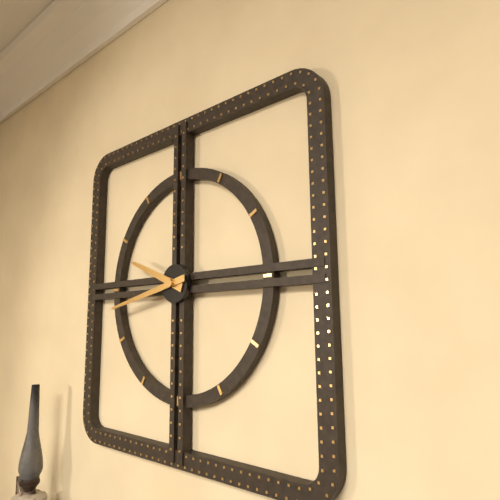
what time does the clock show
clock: 9:43
